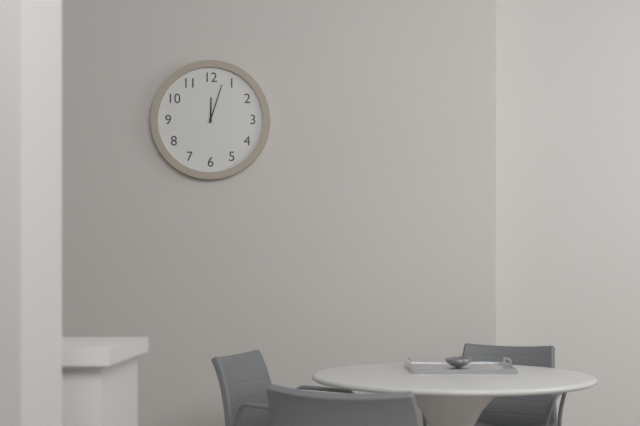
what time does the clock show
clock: 12:03
